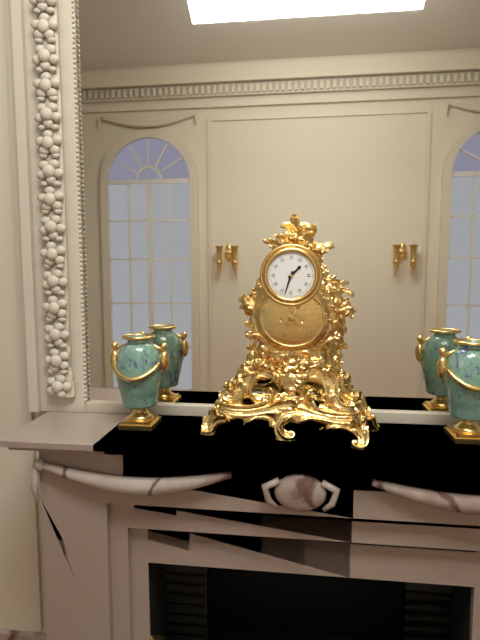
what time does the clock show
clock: 1:33
